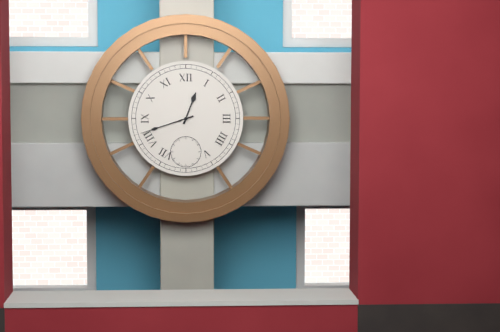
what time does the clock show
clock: 12:42
